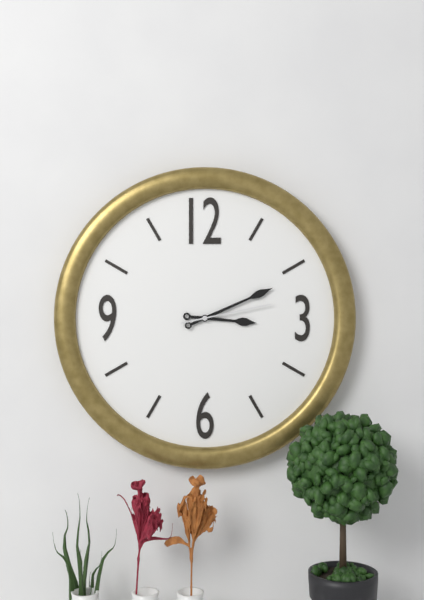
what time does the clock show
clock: 3:11:13
